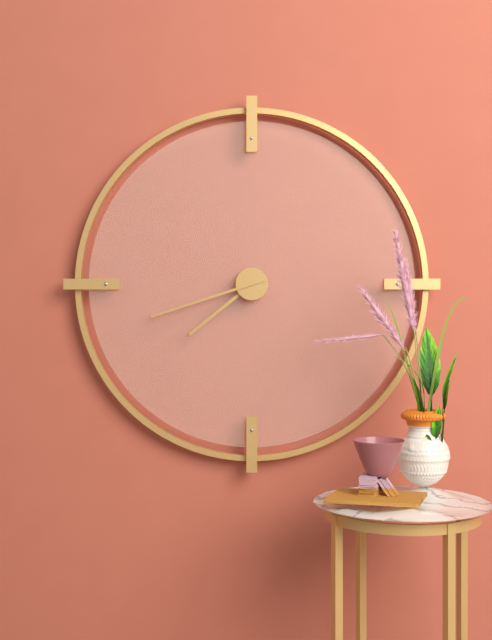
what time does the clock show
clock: 7:42
